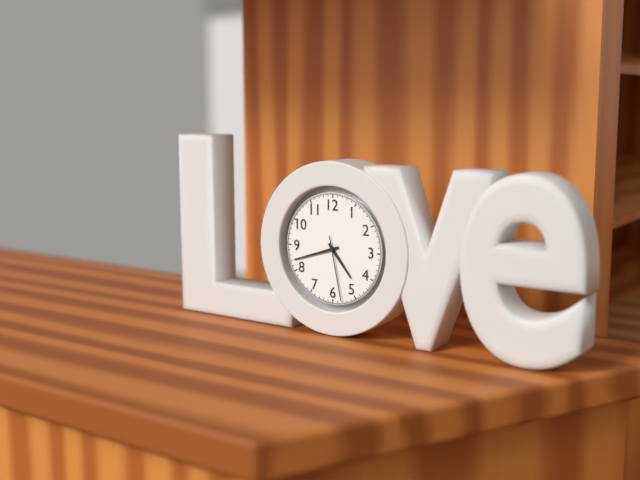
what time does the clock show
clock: 4:42:28
